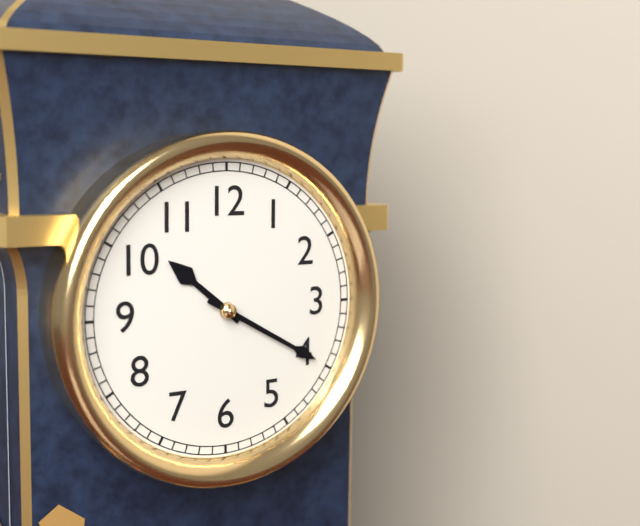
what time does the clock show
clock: 10:20
